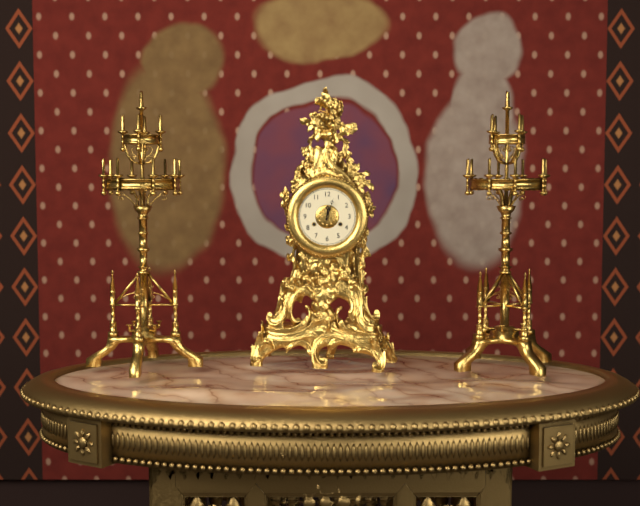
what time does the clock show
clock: 12:03
